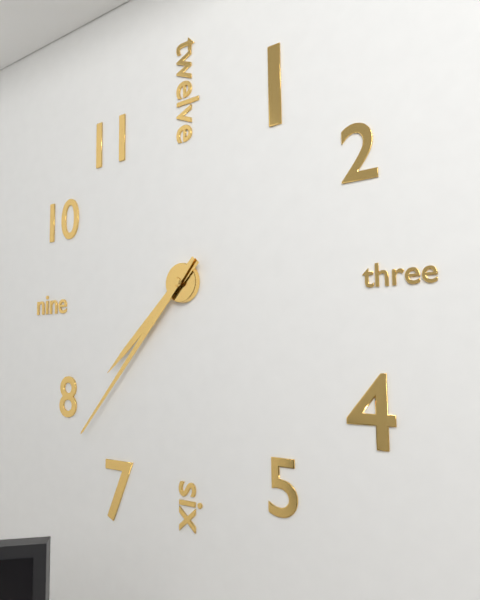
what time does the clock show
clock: 7:37
